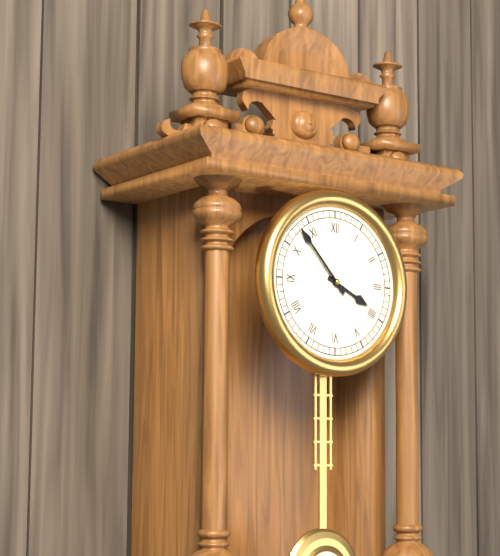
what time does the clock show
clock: 3:53
